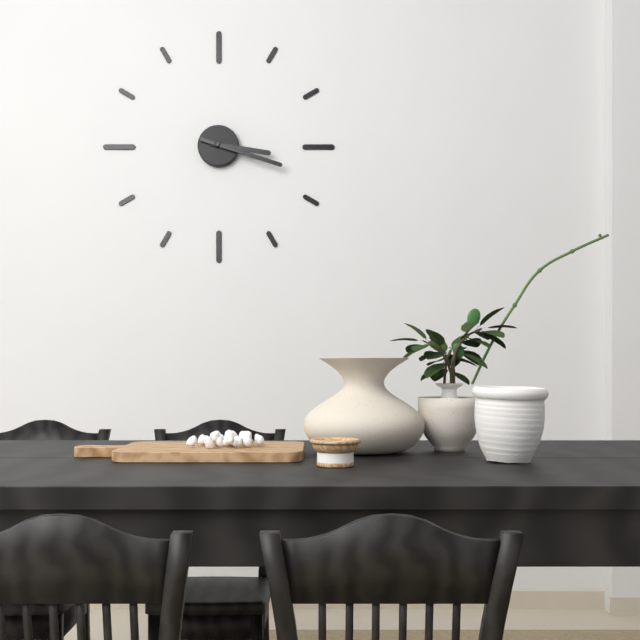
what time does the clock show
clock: 3:18
